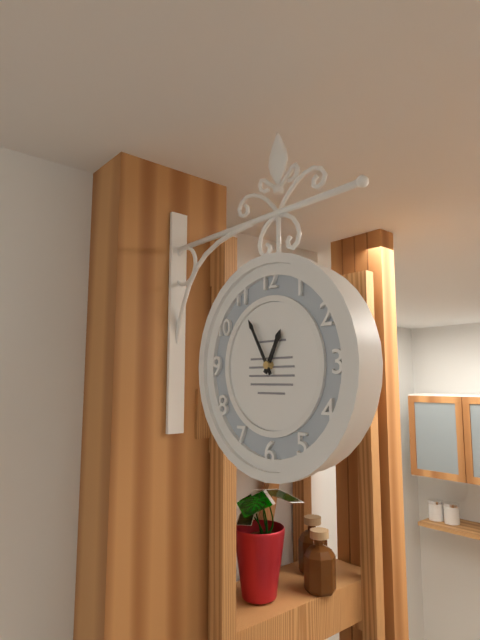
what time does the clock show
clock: 12:55
